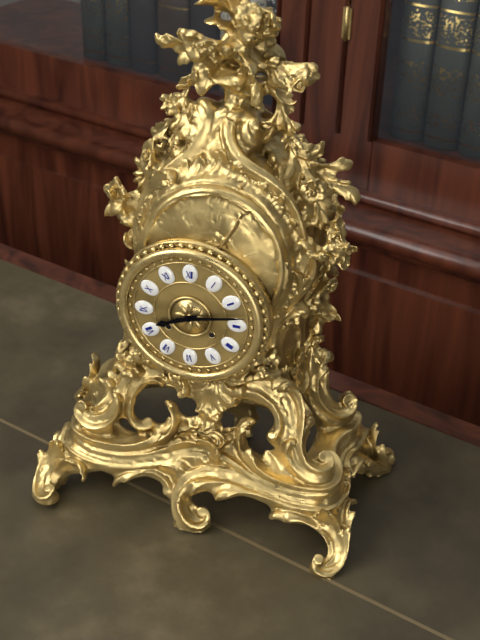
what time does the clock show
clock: 8:13
